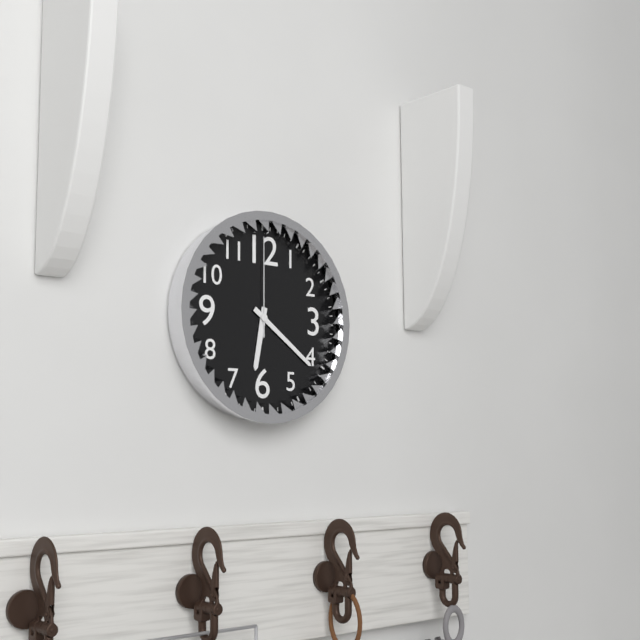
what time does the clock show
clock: 6:21:00
